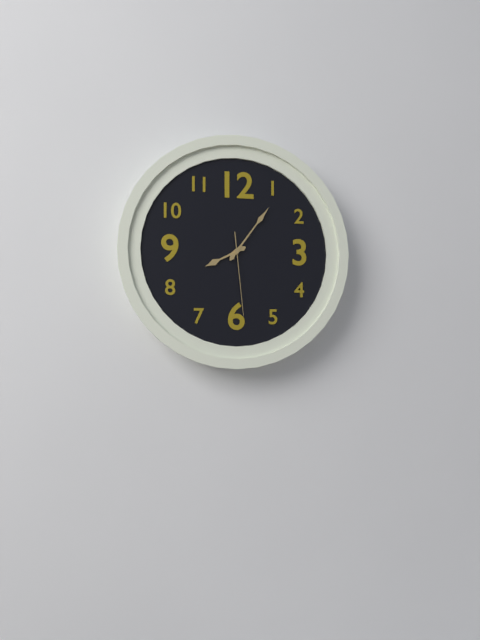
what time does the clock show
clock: 8:06:29
